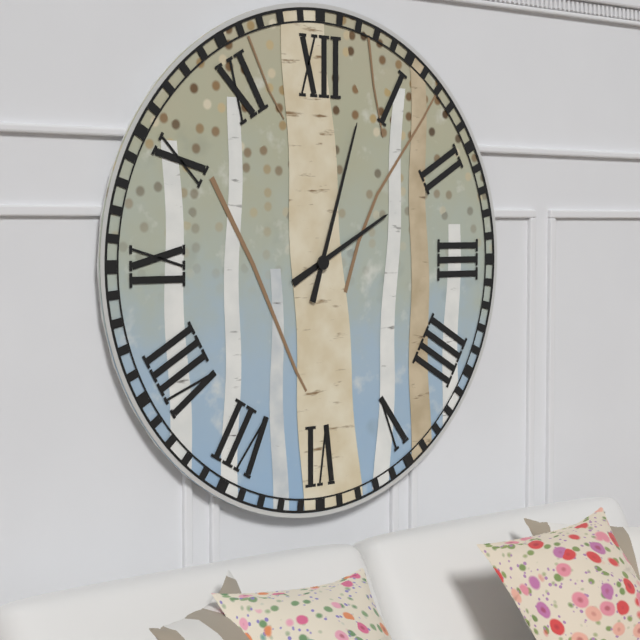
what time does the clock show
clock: 2:03
